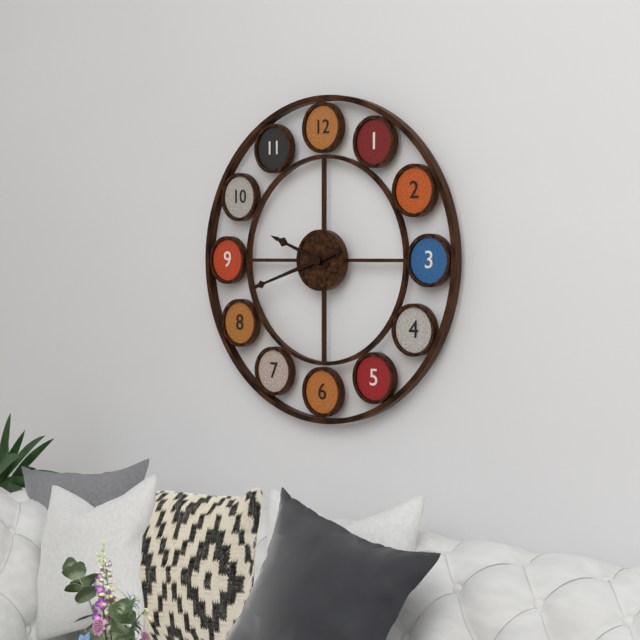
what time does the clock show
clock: 9:42
